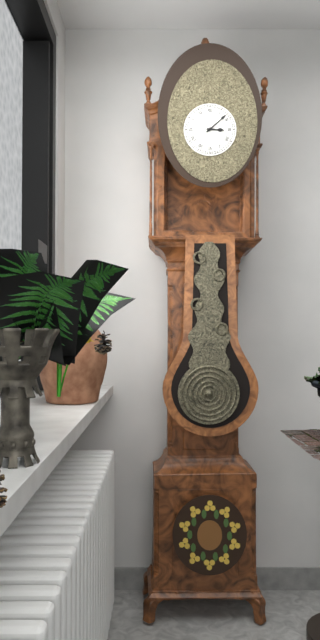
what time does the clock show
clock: 3:08
